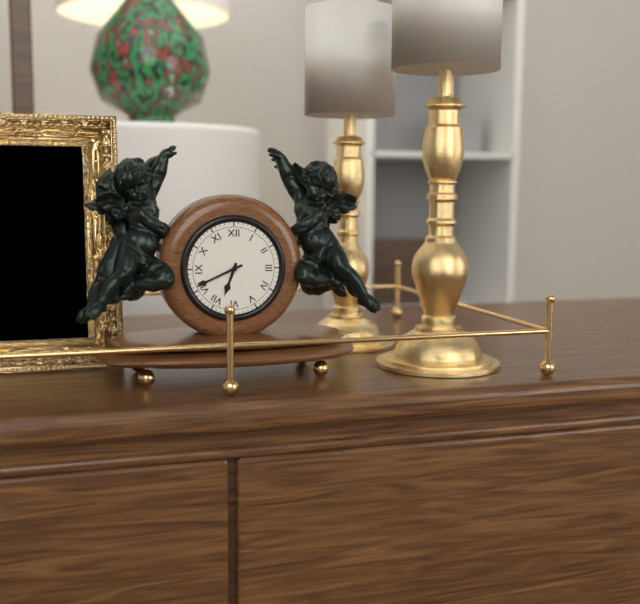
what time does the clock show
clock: 6:41
